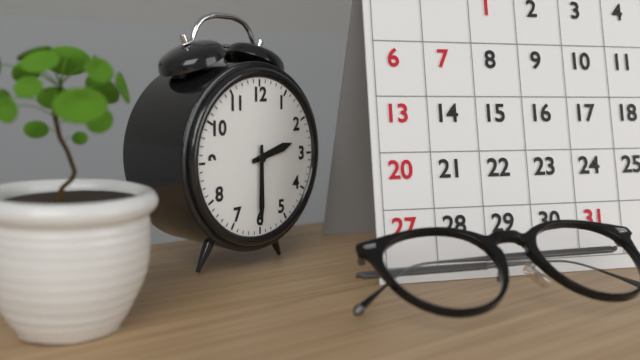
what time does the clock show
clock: 2:30
